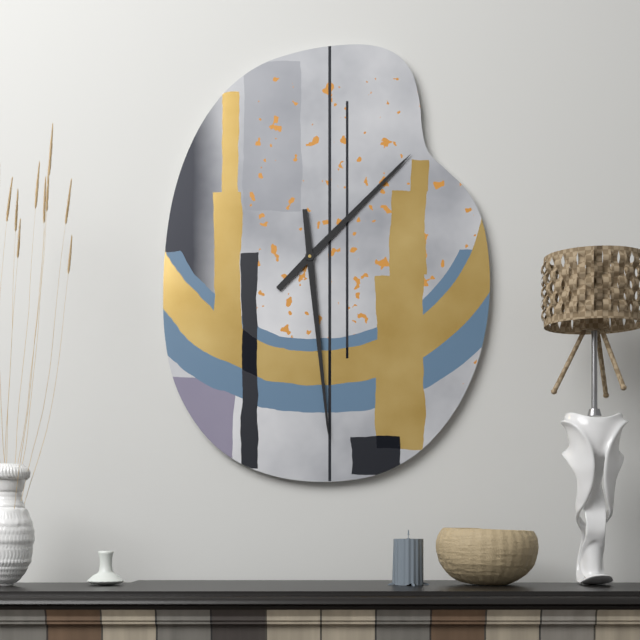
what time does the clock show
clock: 1:29
